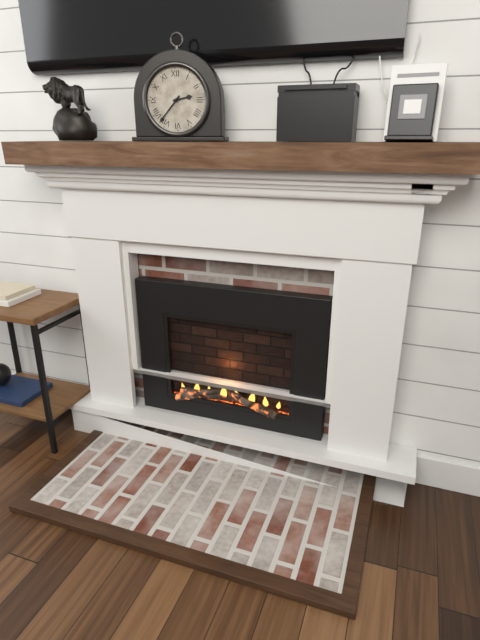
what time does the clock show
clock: 2:37
